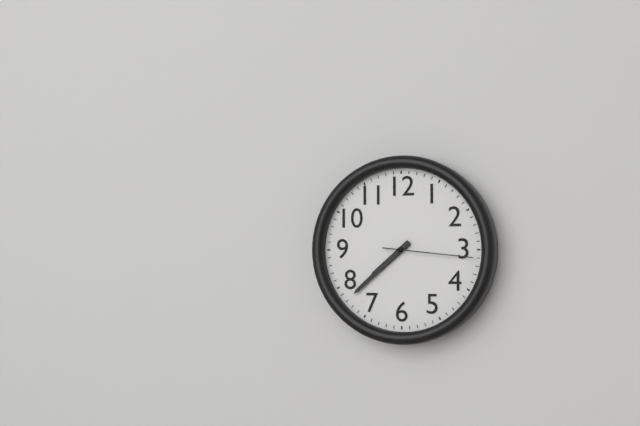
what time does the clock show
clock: 7:38:16
